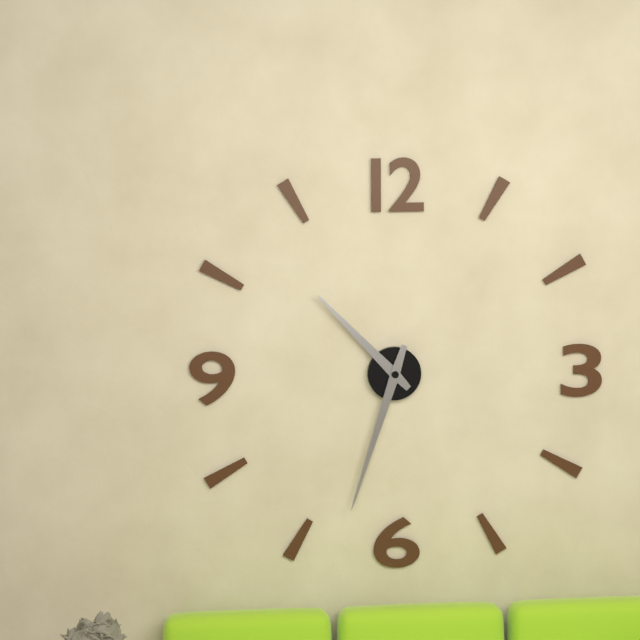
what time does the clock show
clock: 10:33
